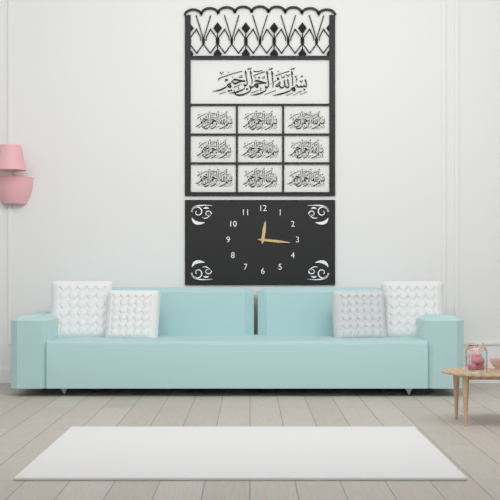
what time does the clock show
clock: 12:16
